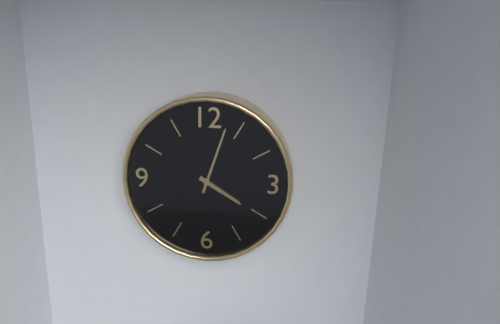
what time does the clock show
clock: 4:03
